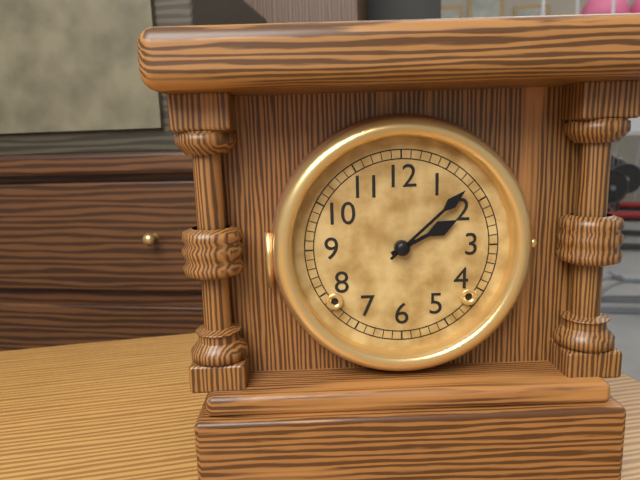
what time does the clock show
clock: 2:08
